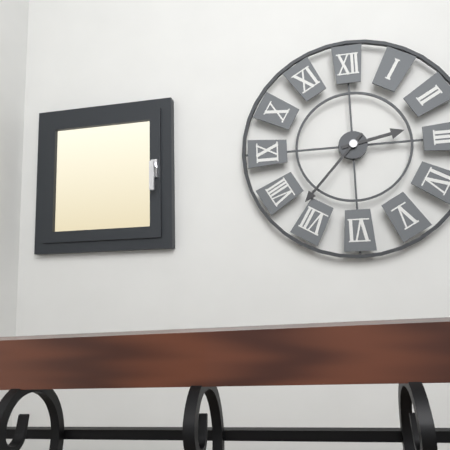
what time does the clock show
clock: 2:37
